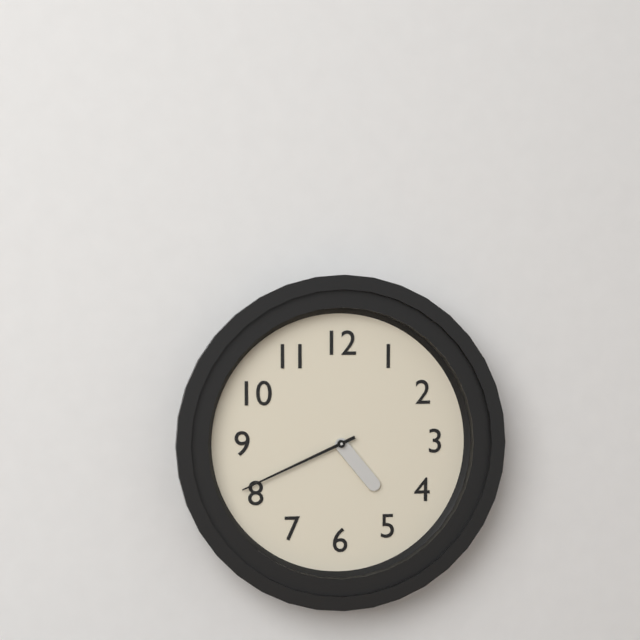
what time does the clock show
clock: 4:41
